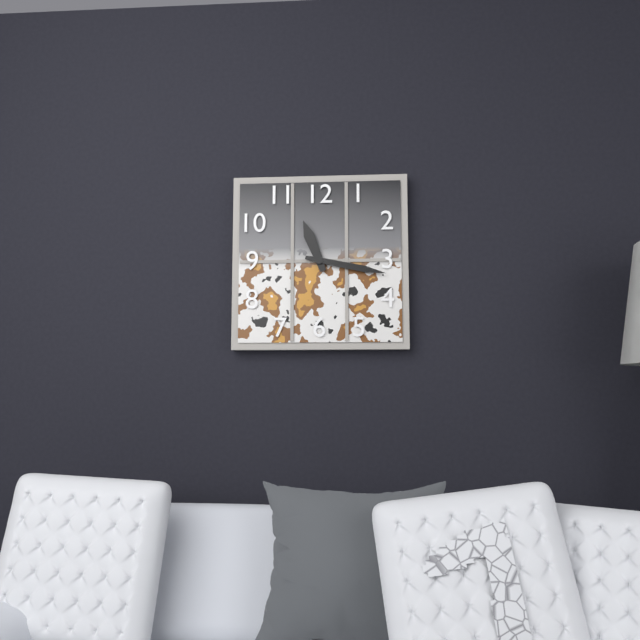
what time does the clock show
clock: 11:17
